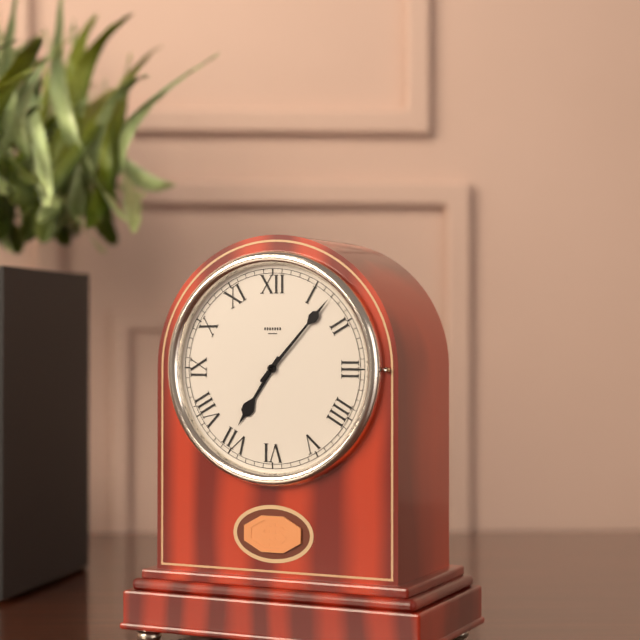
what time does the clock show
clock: 7:07
